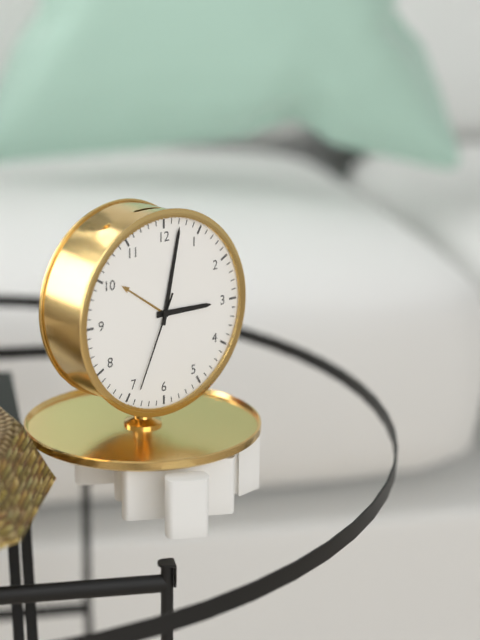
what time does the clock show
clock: 3:02:34
